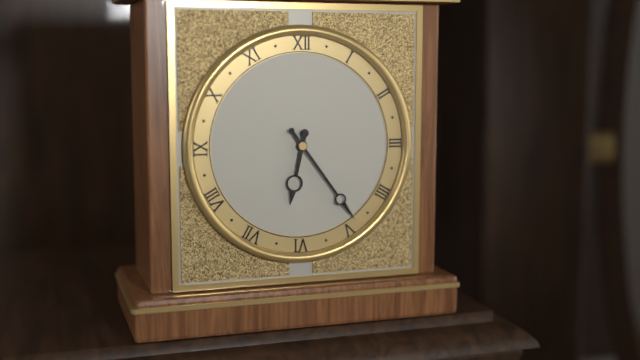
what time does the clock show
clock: 6:24
